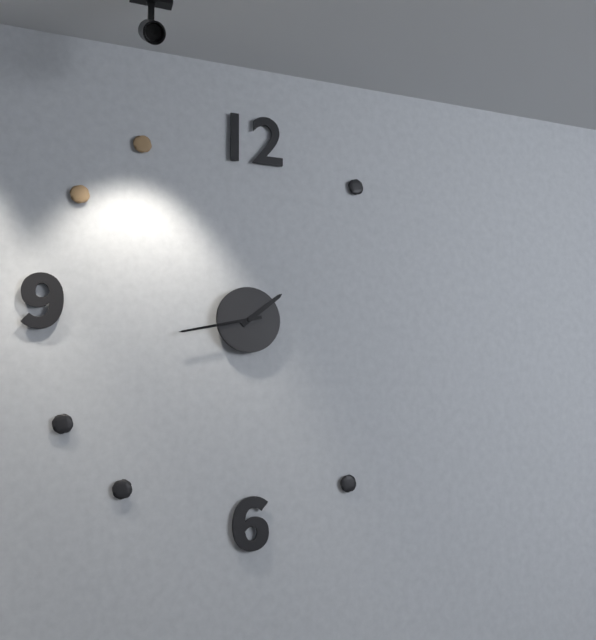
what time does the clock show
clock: 1:43
